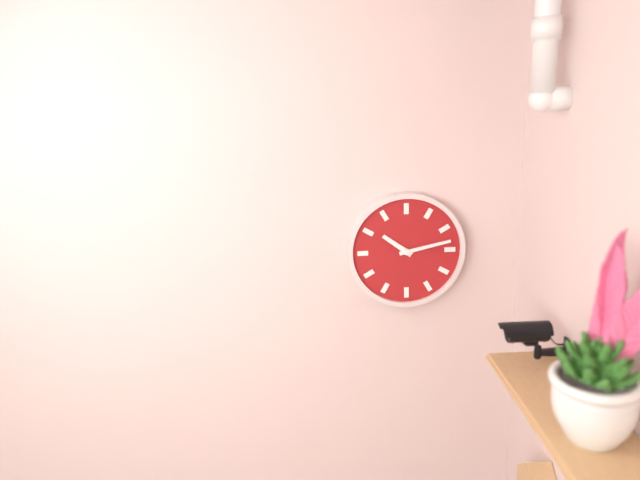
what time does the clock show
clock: 10:13
